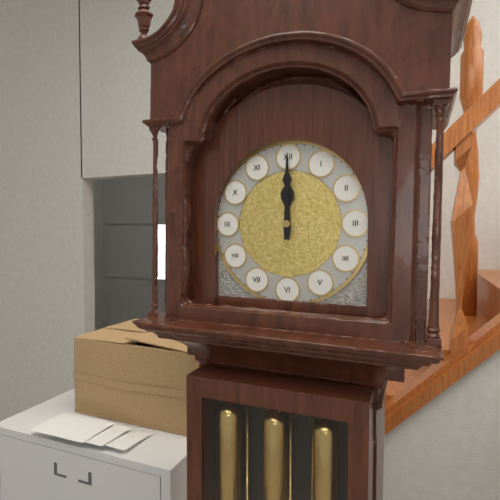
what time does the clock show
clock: 12:00
